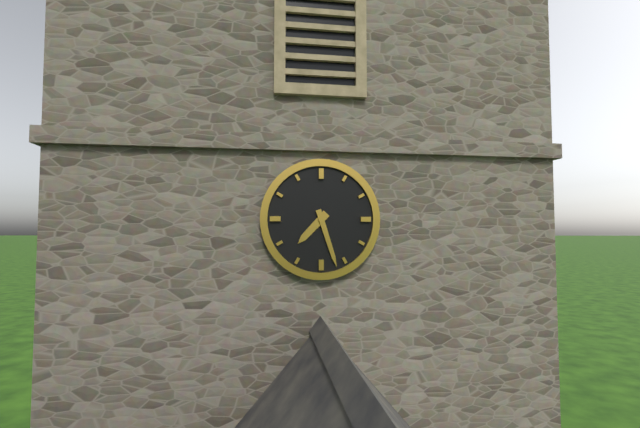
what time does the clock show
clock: 7:27
